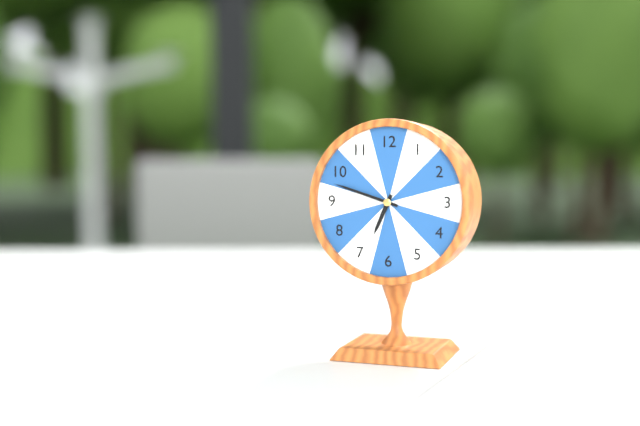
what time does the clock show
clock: 6:48
